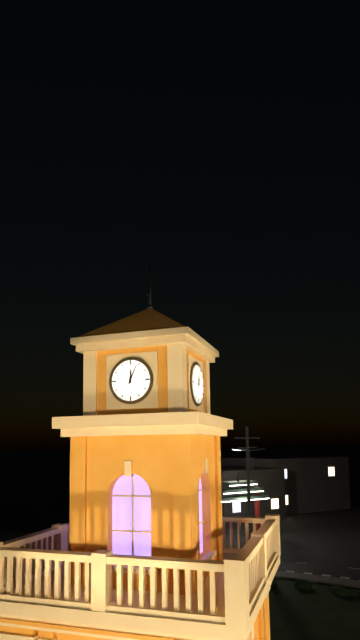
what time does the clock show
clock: 12:04
